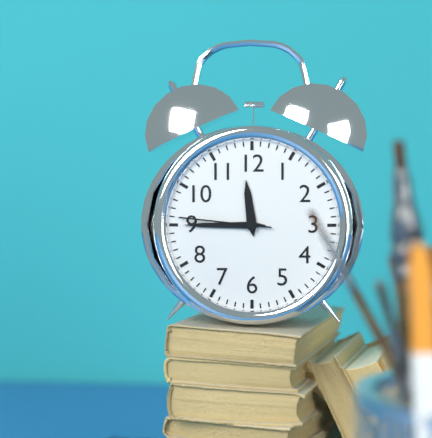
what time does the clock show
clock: 11:45:46
